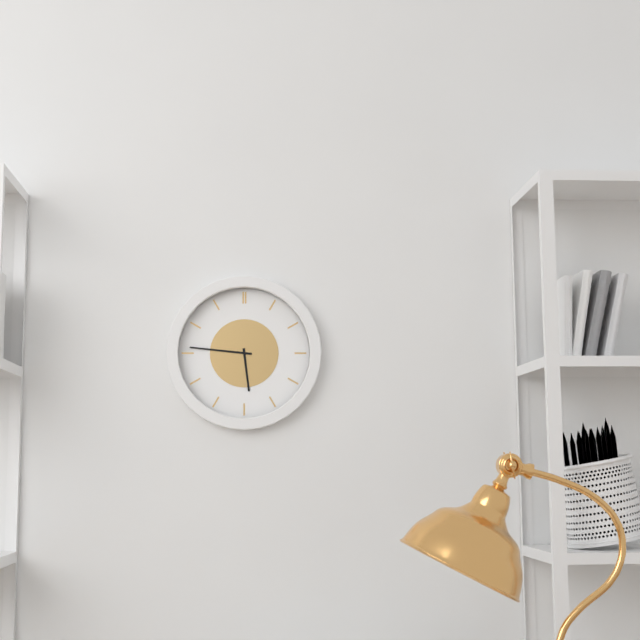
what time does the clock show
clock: 5:46
